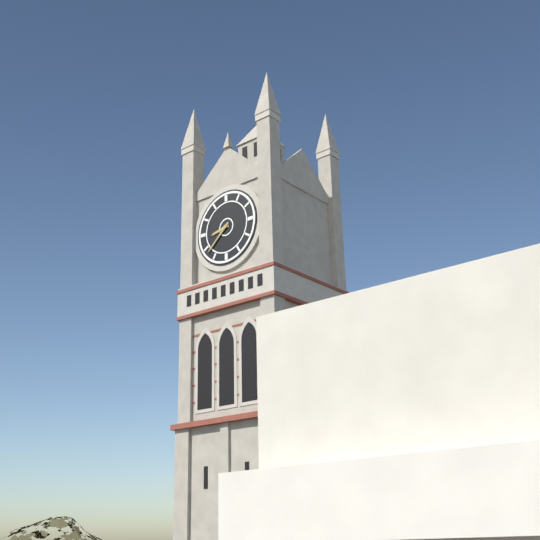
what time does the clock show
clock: 8:38
